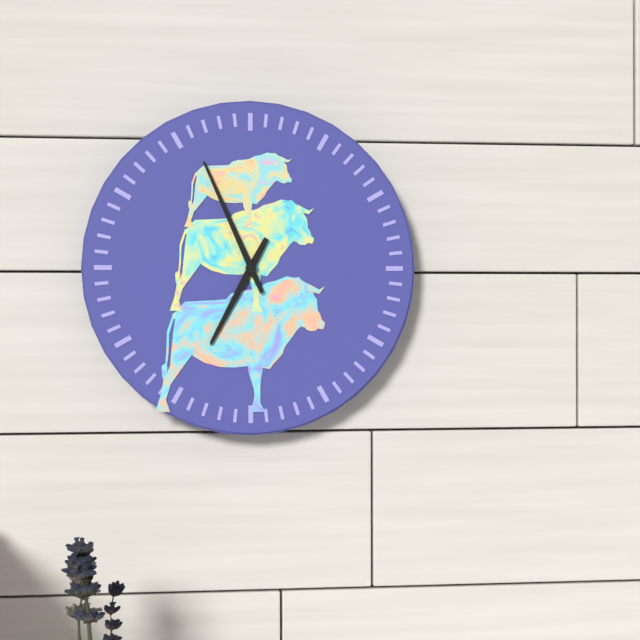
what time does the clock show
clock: 6:56
